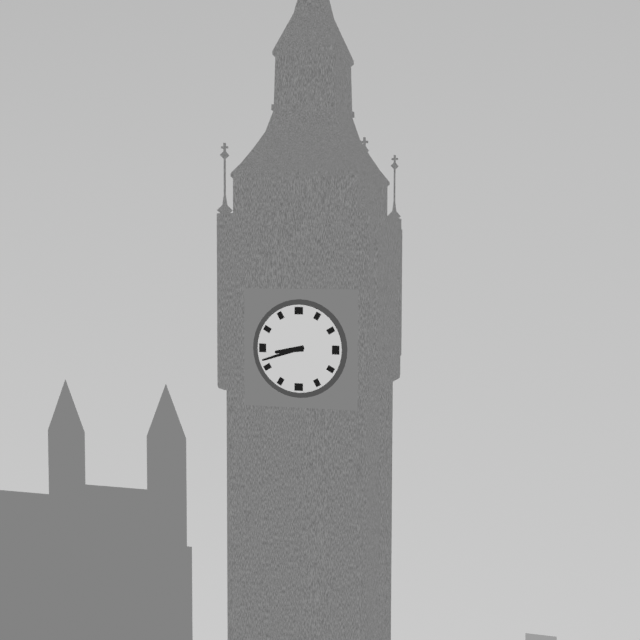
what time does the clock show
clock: 8:42
